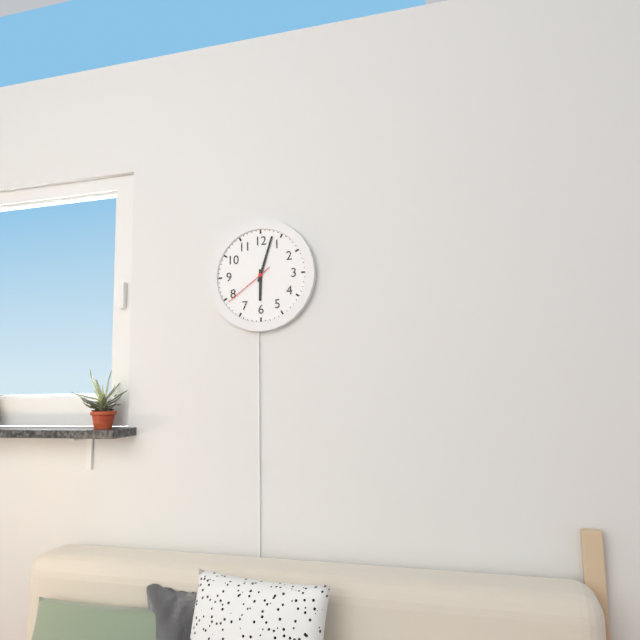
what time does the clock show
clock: 6:03:39
